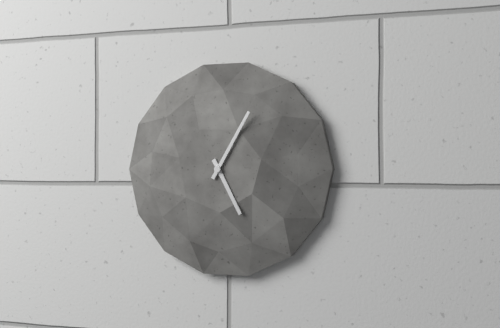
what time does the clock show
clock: 5:05
